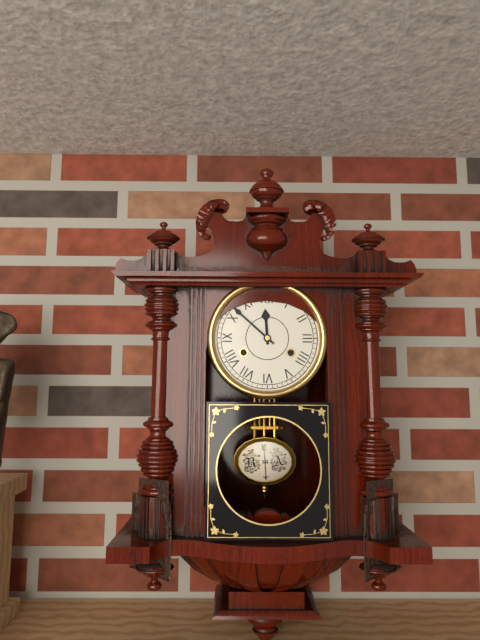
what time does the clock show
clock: 11:52
